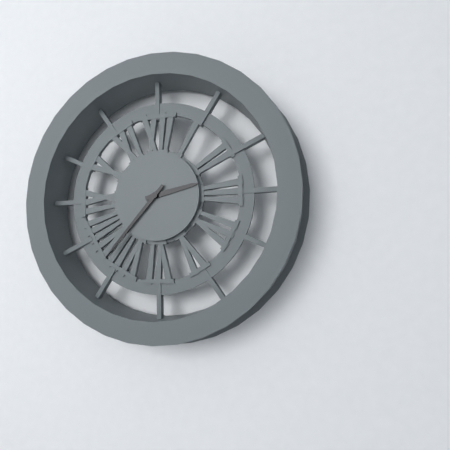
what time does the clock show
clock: 2:37
